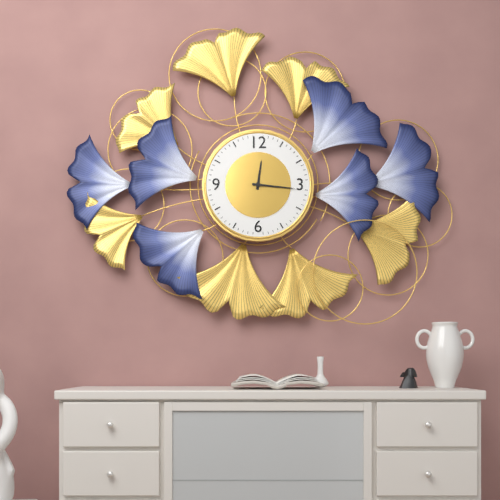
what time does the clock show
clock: 12:16
